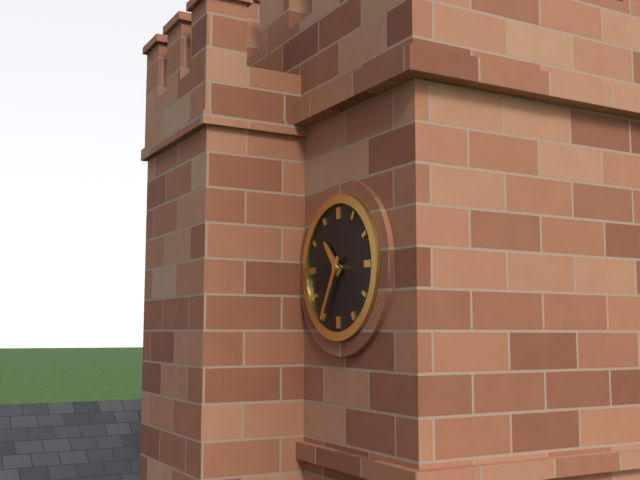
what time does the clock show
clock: 10:35
